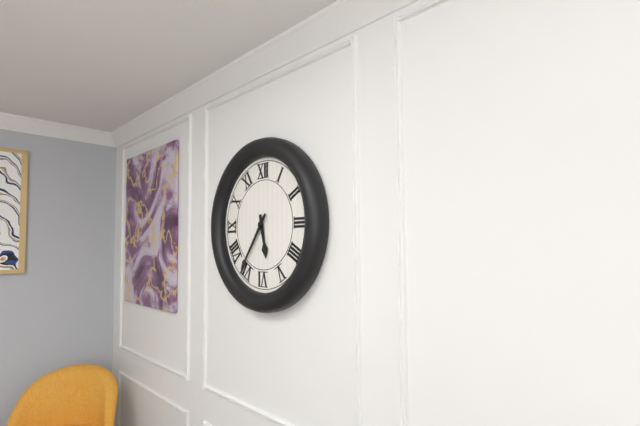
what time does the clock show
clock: 5:36
